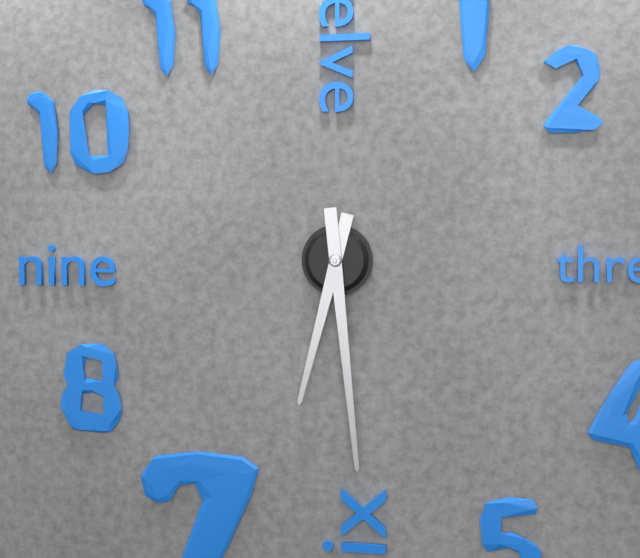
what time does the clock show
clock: 6:29
